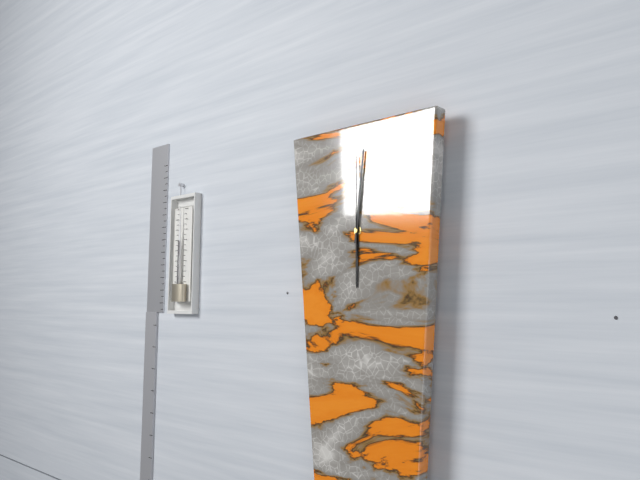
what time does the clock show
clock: 6:01:00
